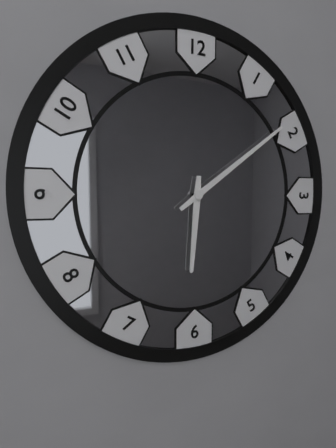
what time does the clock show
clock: 6:09
